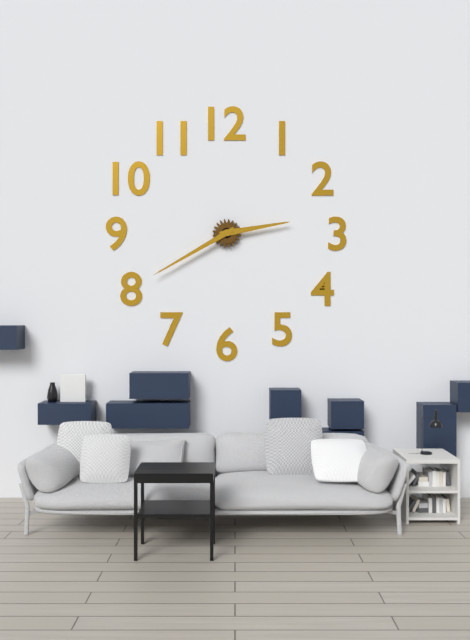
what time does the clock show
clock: 2:40
